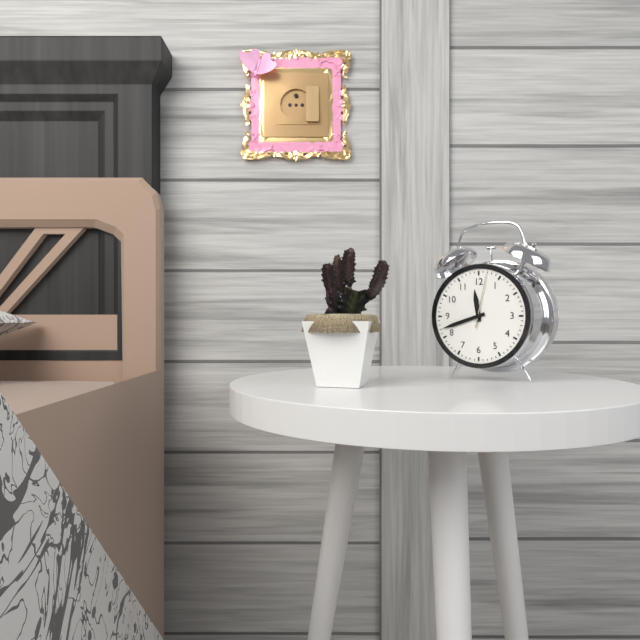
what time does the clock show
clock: 11:42:02
